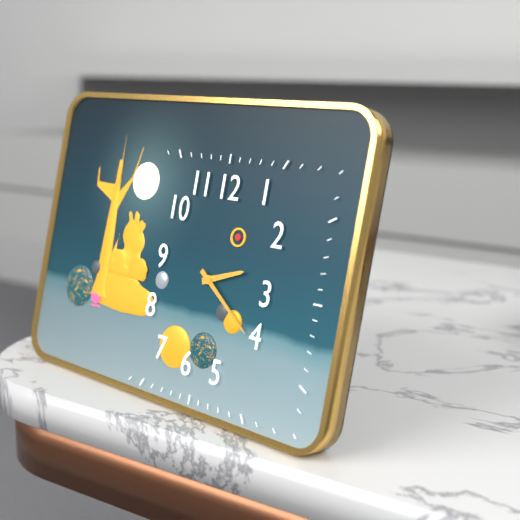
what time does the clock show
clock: 2:21
